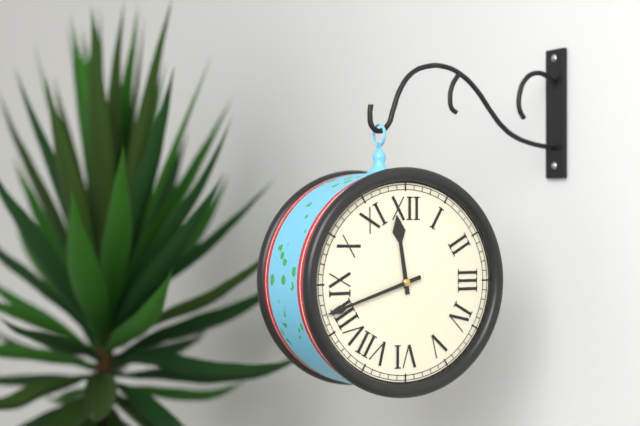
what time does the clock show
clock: 11:42
